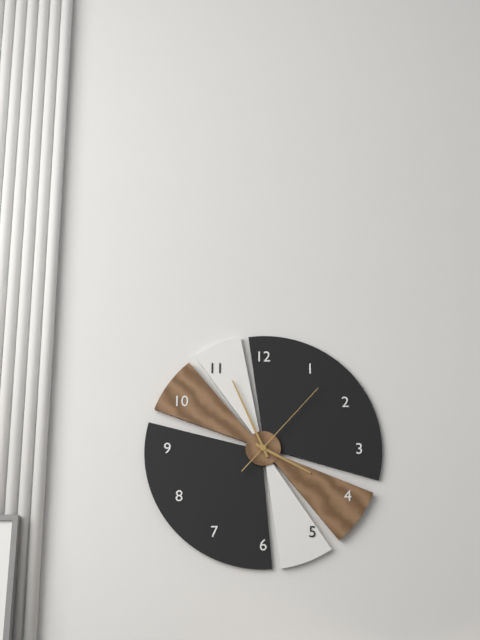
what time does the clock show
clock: 3:56:07
